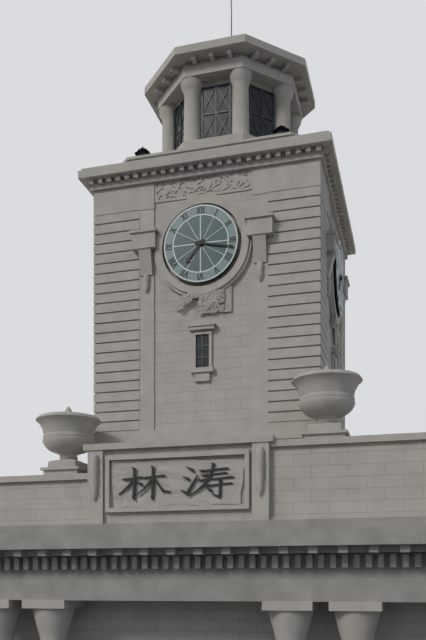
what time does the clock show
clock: 7:17
